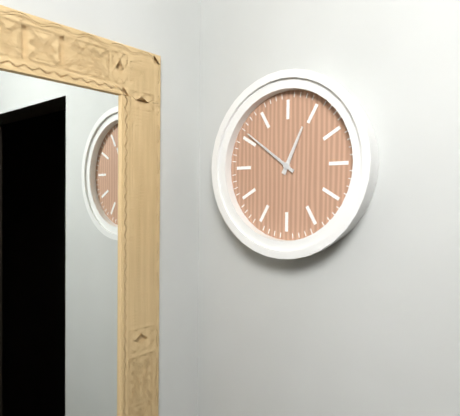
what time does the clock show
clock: 12:51
